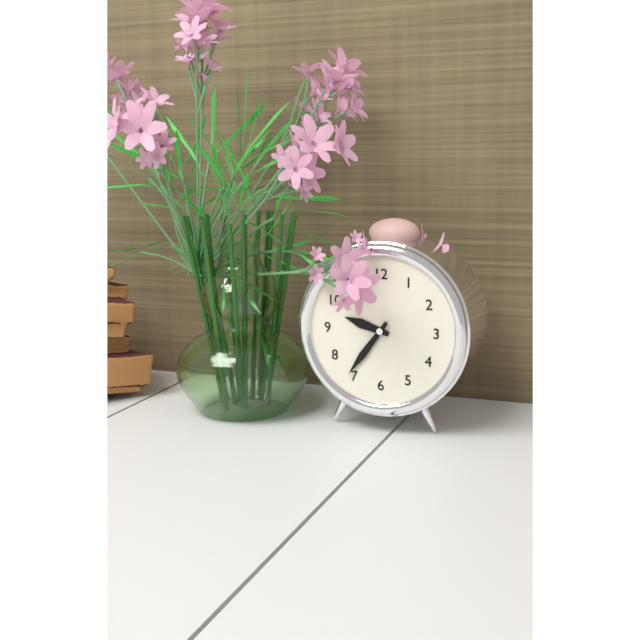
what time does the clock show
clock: 9:36
